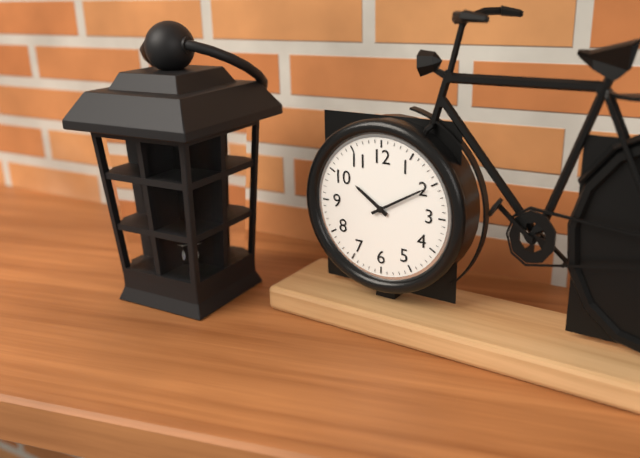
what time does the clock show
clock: 10:10
